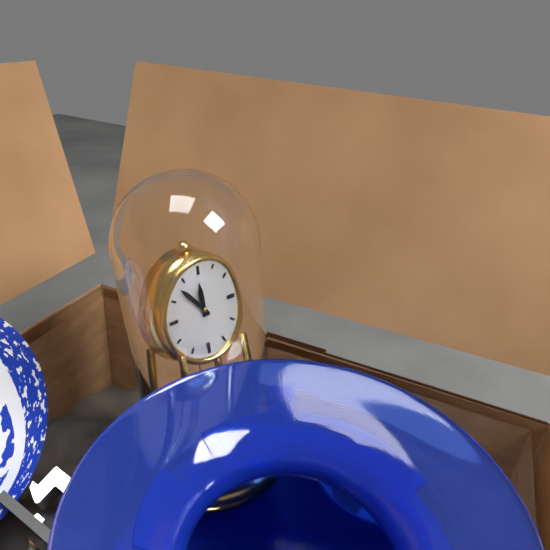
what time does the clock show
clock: 11:53
